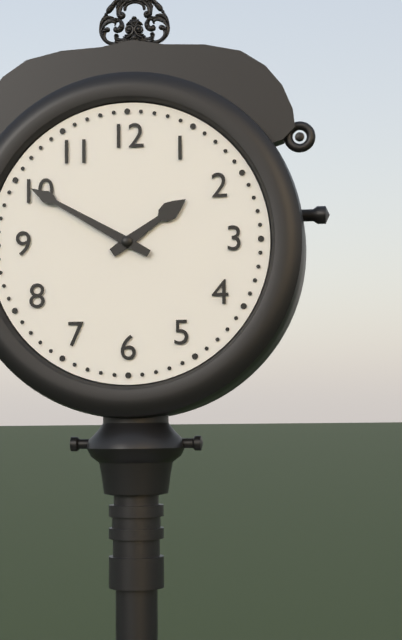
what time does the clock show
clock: 1:50
